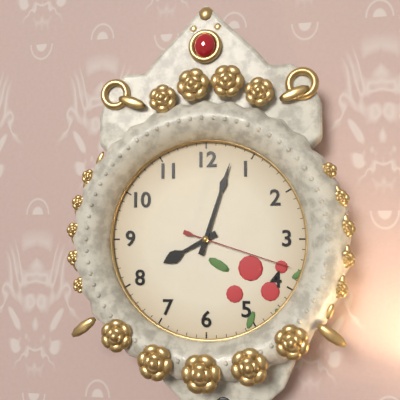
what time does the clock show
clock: 8:03:18
